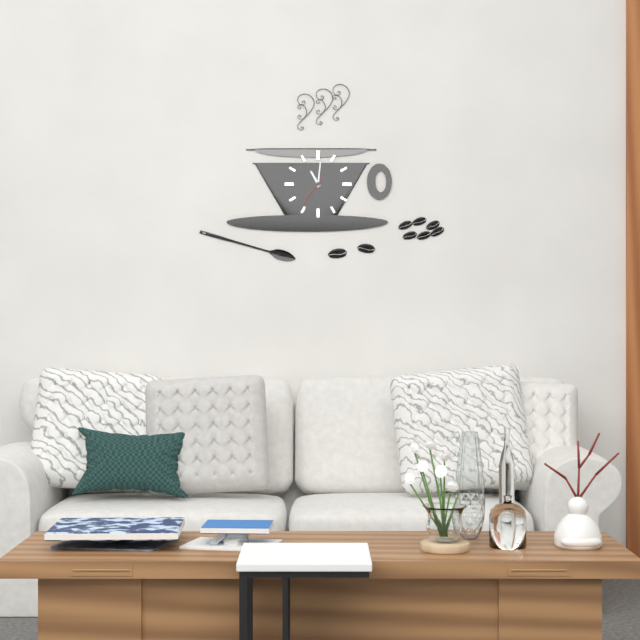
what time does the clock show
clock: 11:01
